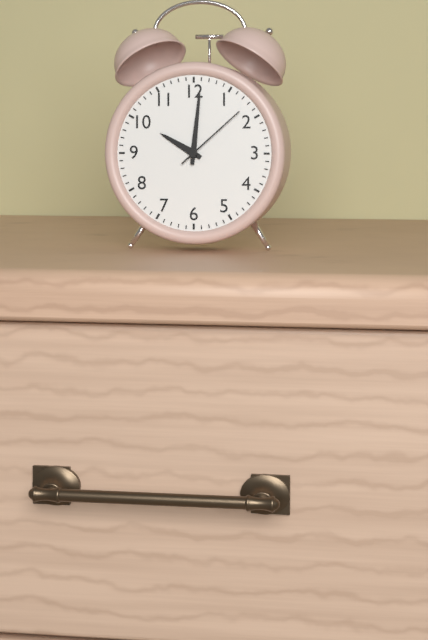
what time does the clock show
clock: 10:01:08
